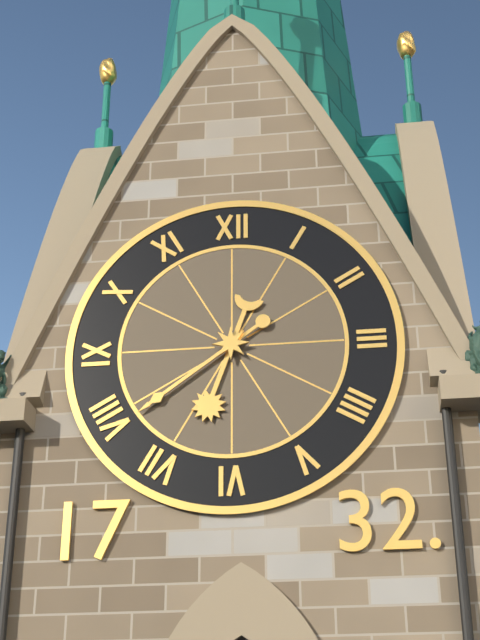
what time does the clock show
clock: 6:39
